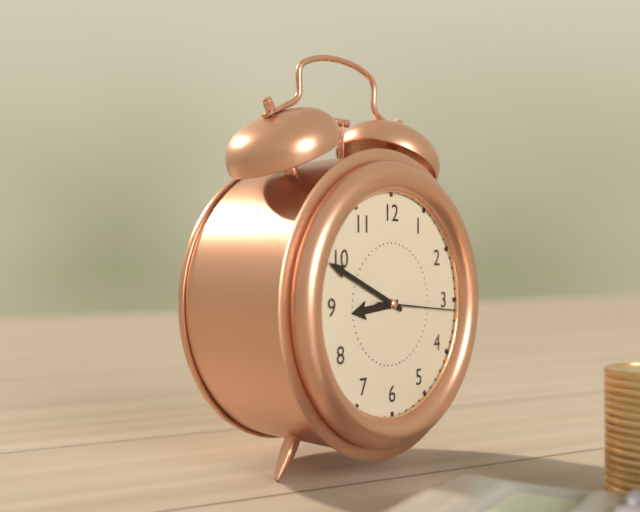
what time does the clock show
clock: 8:49:16
